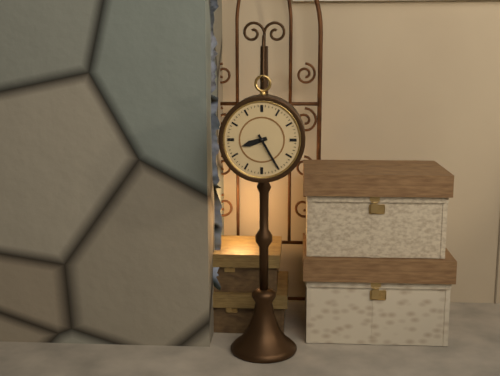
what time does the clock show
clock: 8:25
